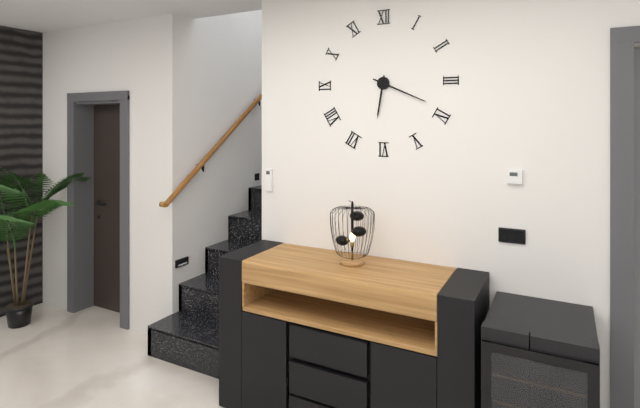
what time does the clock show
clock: 6:19
